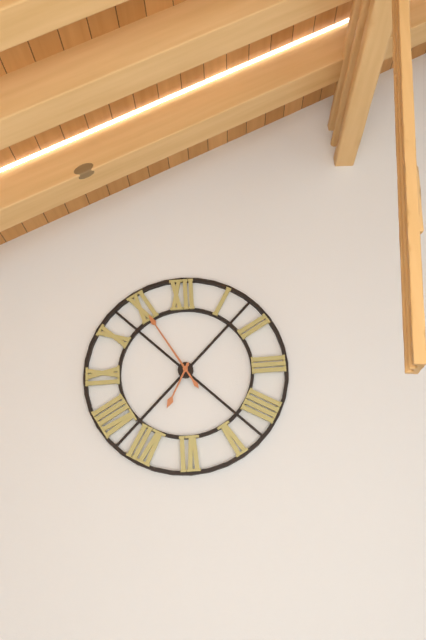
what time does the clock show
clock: 6:55
